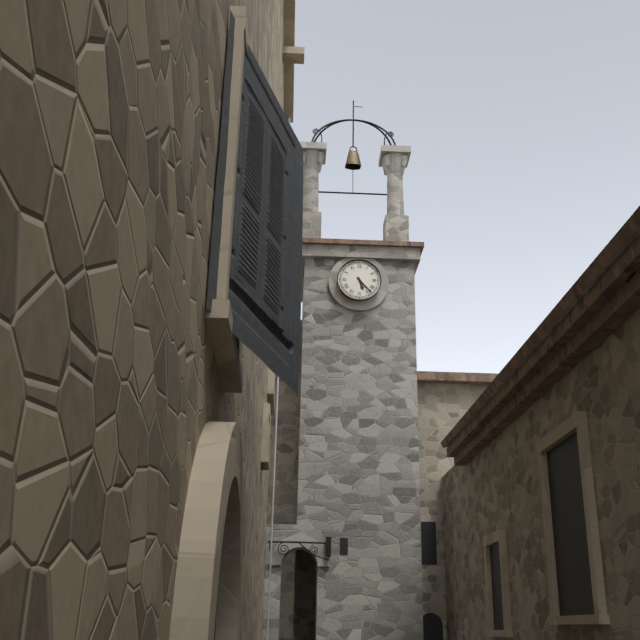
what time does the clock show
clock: 5:23
